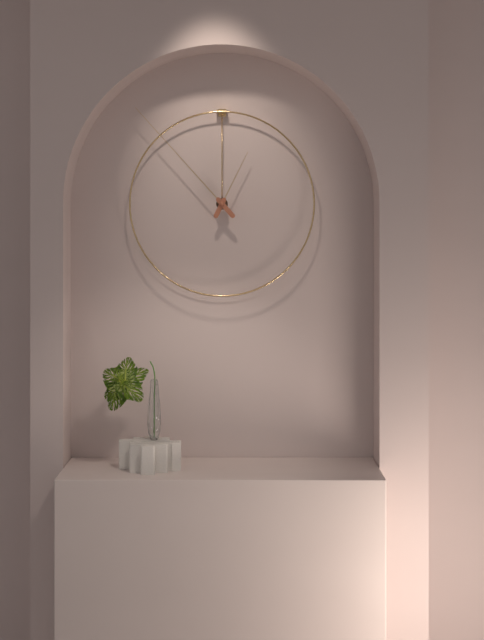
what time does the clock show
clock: 12:53
